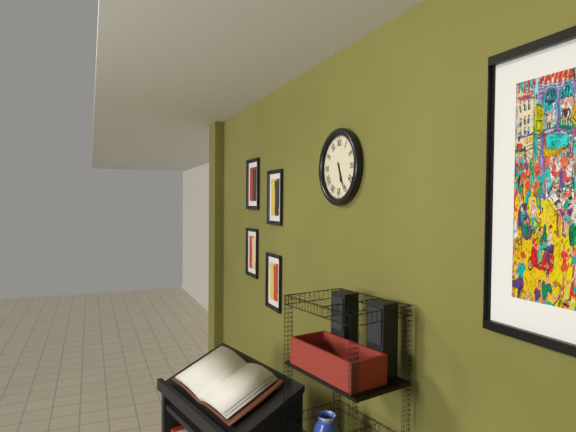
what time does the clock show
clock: 5:26
